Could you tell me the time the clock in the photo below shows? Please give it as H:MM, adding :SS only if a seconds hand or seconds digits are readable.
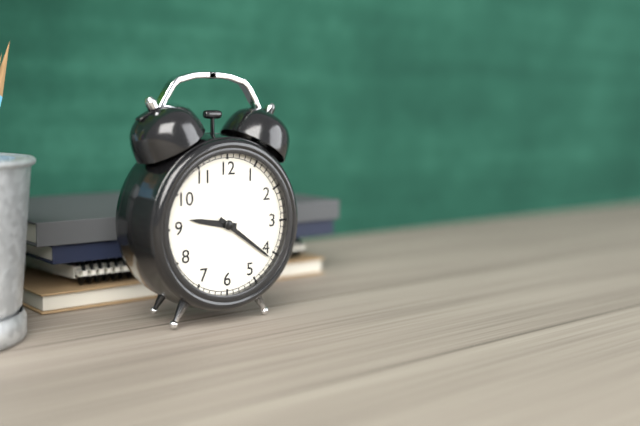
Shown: 9:21
